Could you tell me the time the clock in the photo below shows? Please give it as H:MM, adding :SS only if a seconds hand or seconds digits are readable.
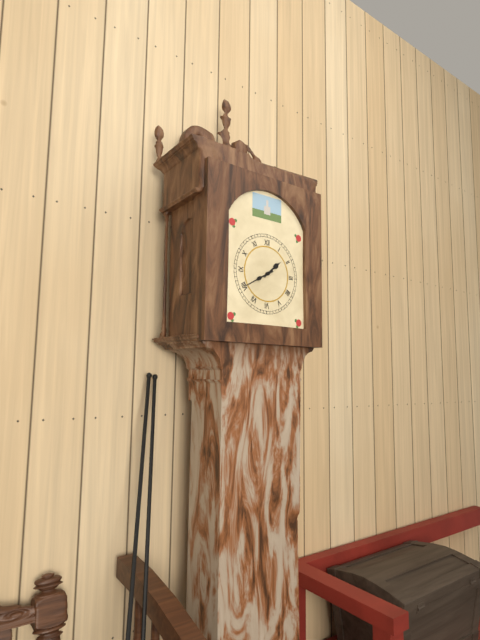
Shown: 1:40
